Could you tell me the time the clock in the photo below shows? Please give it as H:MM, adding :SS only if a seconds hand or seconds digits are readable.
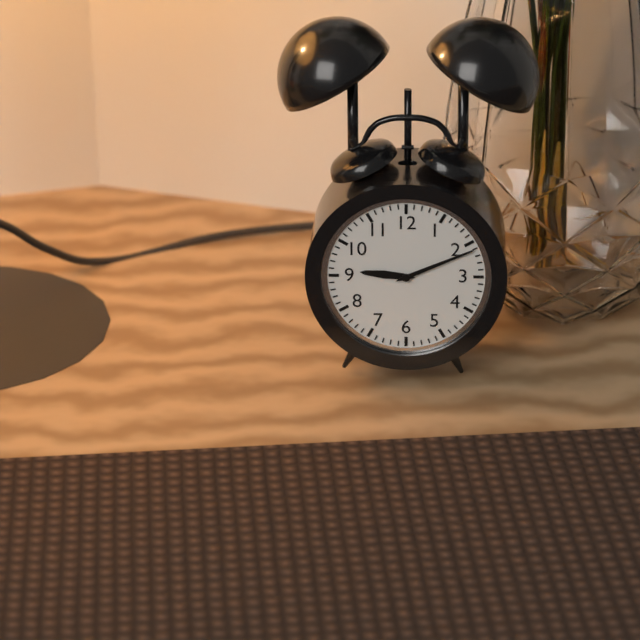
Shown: 9:11
